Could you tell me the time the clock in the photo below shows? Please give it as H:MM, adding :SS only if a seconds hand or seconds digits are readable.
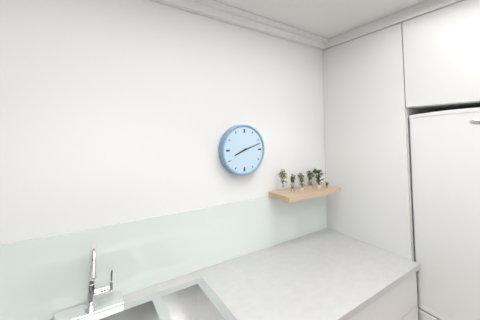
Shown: 8:12
